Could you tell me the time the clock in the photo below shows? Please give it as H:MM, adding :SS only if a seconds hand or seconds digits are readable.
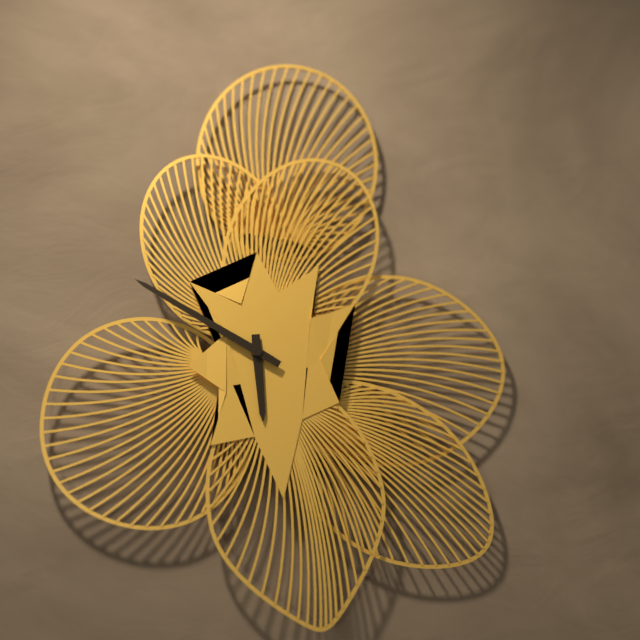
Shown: 5:50
